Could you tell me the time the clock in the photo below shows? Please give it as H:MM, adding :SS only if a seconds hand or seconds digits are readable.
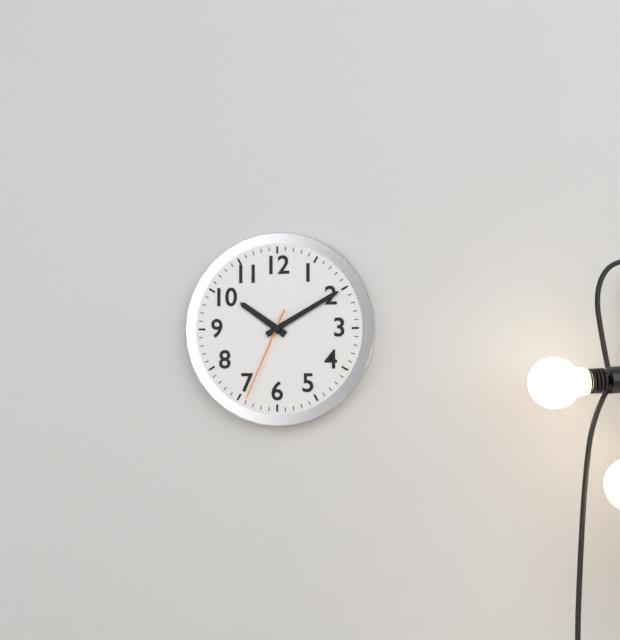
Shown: 10:10:34
